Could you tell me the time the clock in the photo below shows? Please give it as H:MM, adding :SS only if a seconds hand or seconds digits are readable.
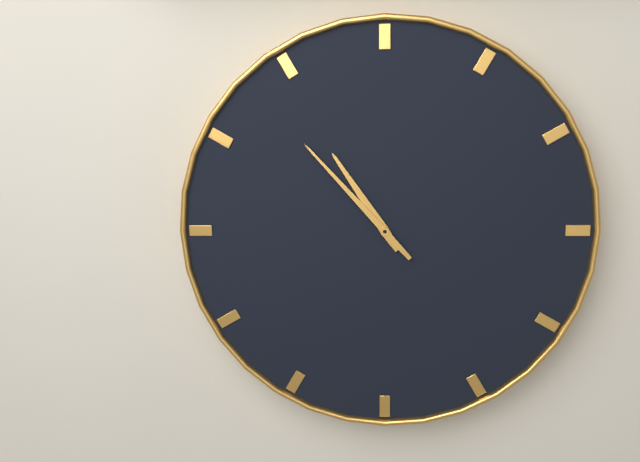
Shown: 10:53
